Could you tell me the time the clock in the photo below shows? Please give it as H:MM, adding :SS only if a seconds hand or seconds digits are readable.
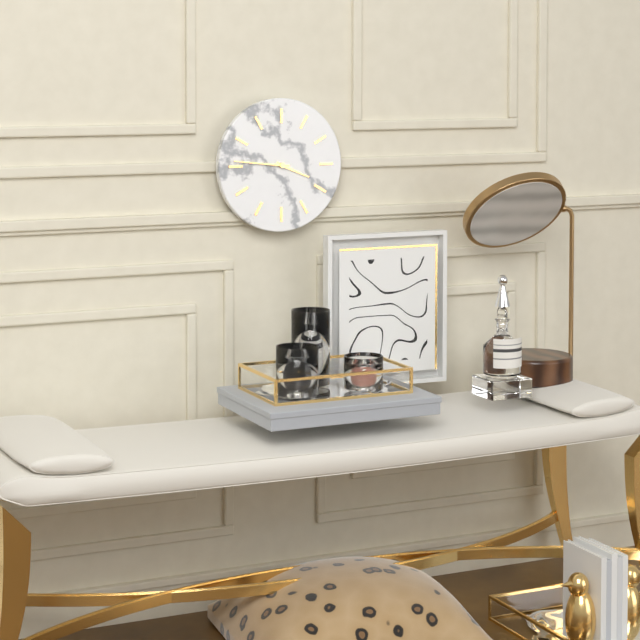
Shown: 3:46
